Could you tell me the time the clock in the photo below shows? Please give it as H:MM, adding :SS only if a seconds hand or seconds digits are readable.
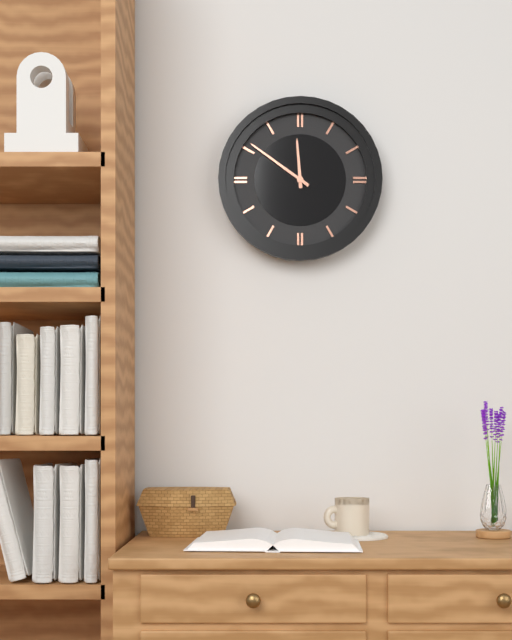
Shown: 11:51
